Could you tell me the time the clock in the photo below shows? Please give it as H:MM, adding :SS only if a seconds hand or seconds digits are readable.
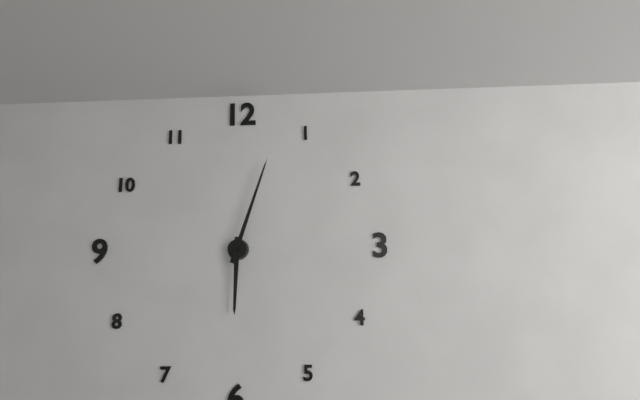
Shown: 6:03
